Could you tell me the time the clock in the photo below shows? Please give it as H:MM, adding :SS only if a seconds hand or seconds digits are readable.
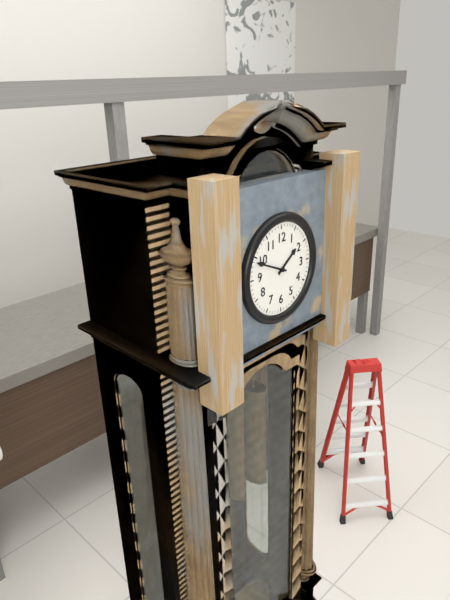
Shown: 1:49
